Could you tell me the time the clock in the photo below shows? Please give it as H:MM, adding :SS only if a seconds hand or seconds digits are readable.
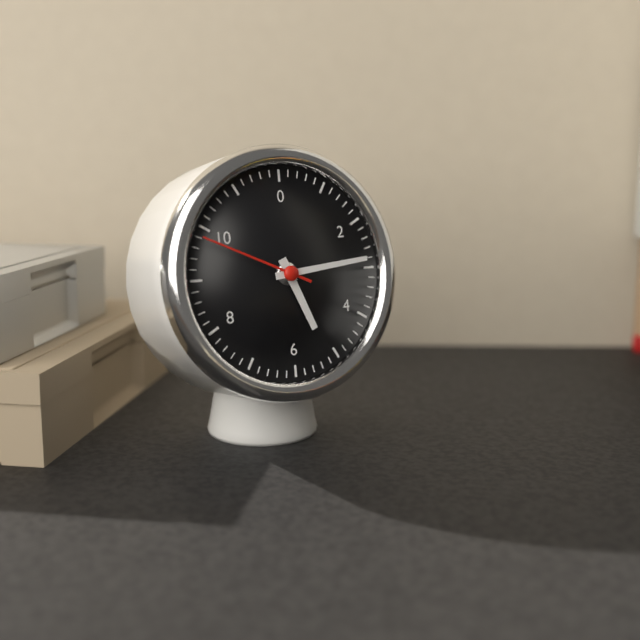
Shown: 5:14:49
